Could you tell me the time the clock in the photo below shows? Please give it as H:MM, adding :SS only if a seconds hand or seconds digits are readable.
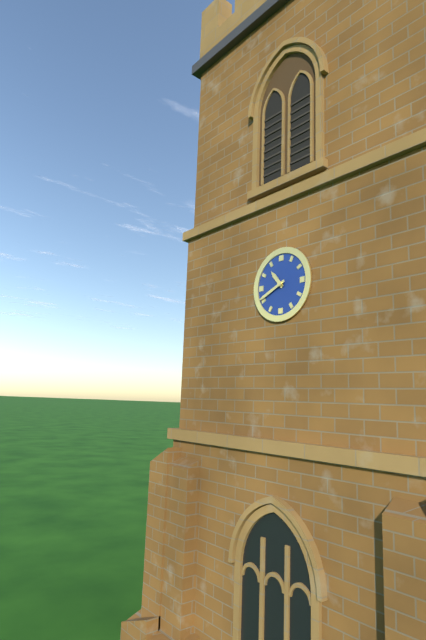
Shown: 10:41
